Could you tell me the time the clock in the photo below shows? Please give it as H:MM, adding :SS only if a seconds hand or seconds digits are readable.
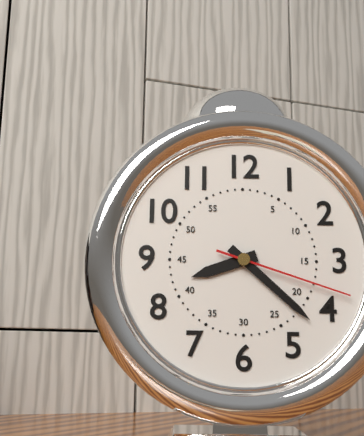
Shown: 8:22:18
